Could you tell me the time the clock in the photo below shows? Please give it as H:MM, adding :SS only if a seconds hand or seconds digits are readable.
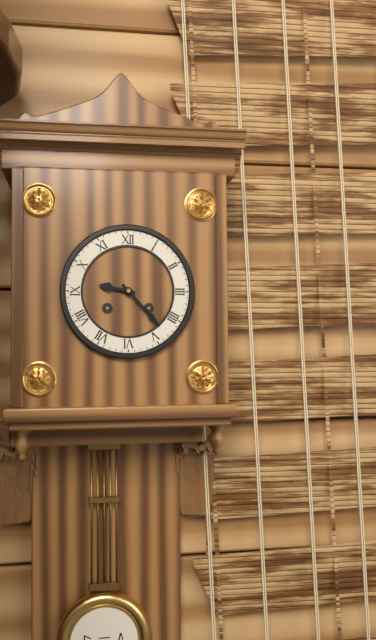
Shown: 9:23
